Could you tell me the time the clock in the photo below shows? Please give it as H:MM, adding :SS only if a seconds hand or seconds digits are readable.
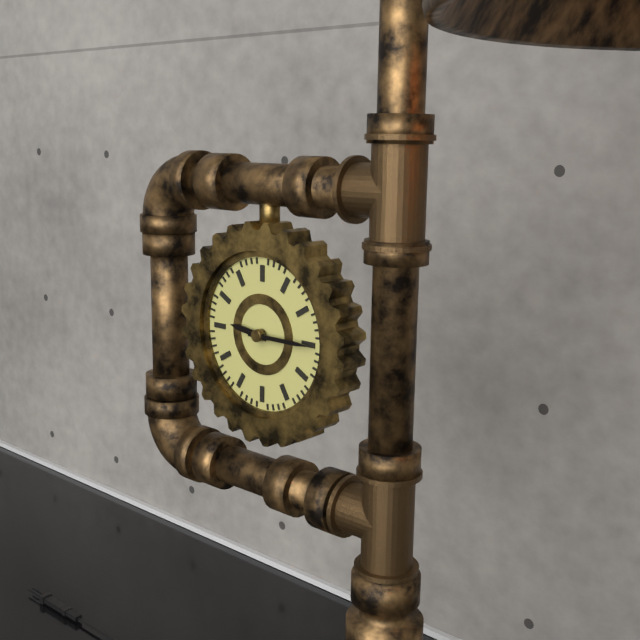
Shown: 9:15
